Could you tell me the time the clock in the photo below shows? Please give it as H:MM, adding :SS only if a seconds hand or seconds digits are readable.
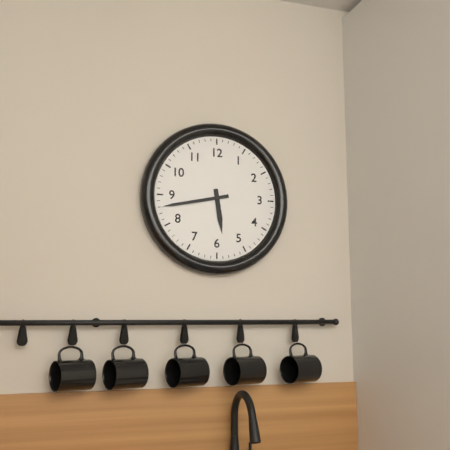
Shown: 5:43
